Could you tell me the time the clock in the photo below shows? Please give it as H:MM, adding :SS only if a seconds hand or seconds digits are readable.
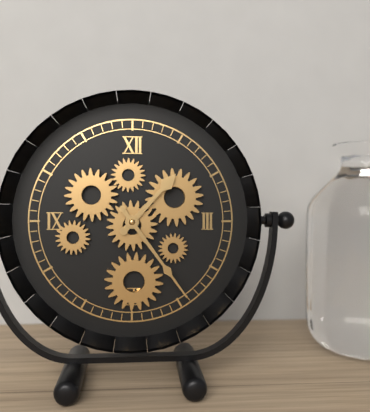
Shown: 1:24
